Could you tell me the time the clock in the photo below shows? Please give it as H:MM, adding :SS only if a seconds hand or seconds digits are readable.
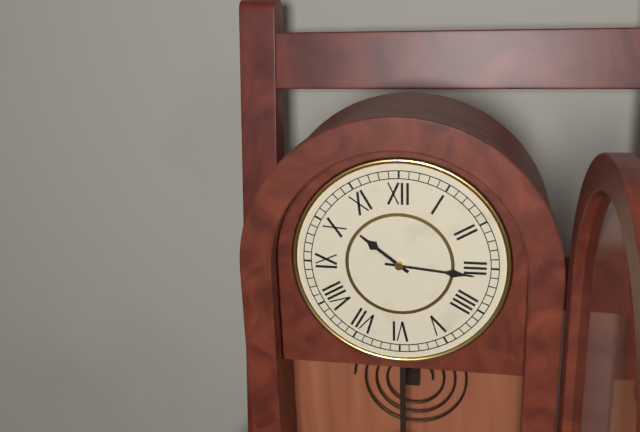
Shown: 10:16
